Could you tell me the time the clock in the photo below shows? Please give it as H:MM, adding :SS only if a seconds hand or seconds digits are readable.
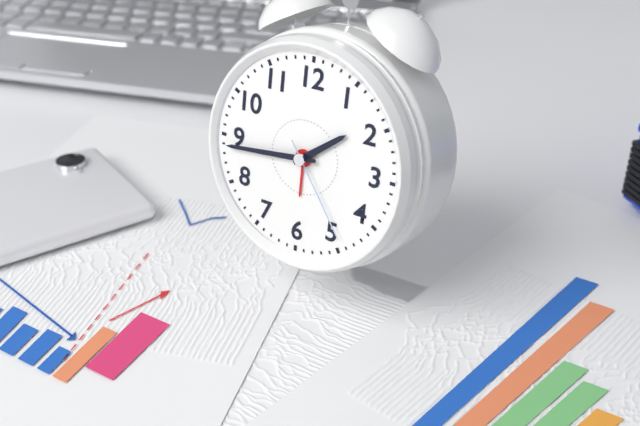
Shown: 1:44:24
